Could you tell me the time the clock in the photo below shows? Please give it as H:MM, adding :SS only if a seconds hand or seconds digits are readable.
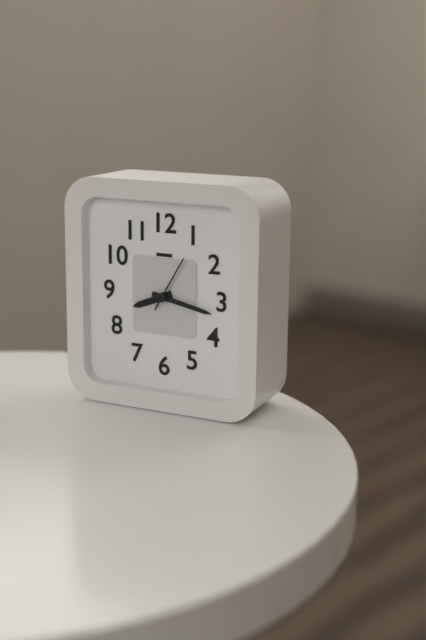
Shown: 8:17:05
